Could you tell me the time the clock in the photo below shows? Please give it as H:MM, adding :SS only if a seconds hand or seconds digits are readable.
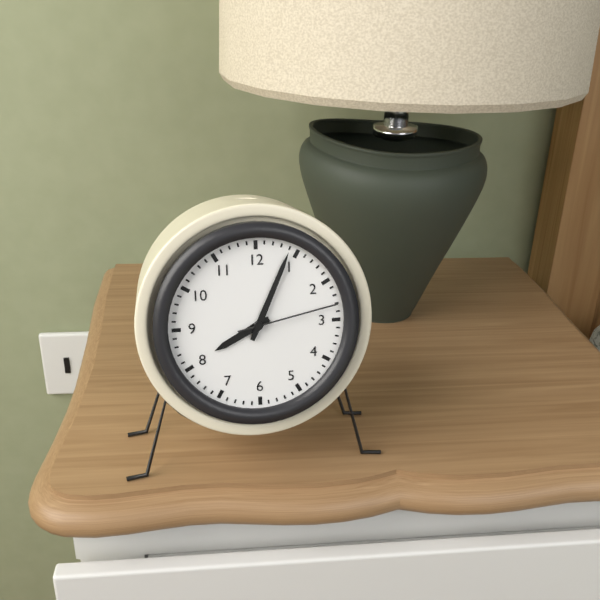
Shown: 8:04:13
